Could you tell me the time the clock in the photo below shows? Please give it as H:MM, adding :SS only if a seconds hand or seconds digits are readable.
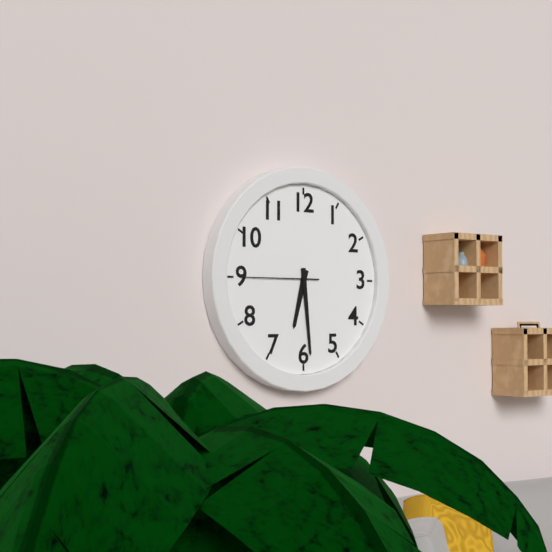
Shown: 6:29:45
